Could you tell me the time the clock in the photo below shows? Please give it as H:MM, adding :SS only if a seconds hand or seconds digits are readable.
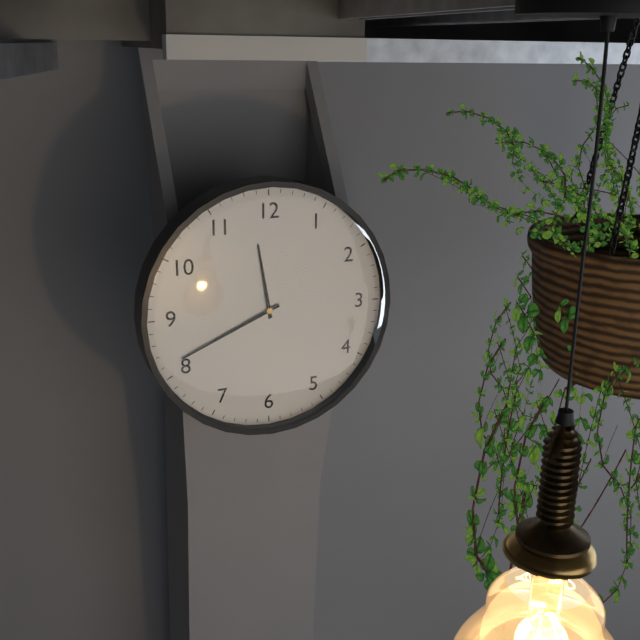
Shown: 11:41
